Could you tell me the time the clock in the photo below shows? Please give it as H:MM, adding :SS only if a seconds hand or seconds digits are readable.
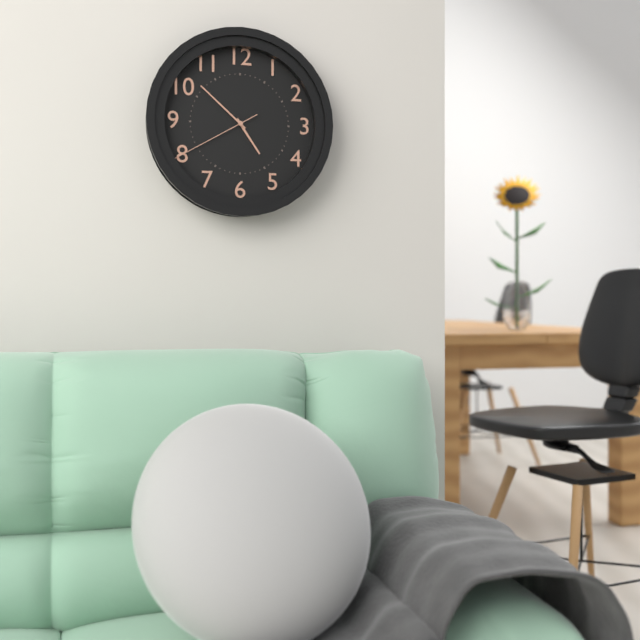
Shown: 4:52:40
